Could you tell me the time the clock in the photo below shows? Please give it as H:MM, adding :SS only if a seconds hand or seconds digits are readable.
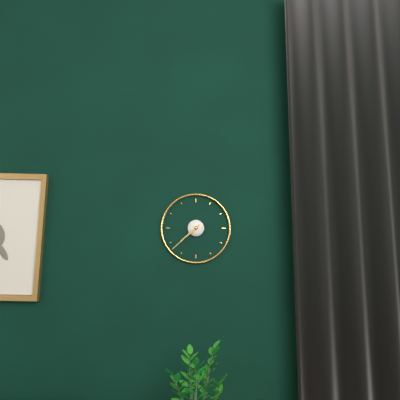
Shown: 7:38
